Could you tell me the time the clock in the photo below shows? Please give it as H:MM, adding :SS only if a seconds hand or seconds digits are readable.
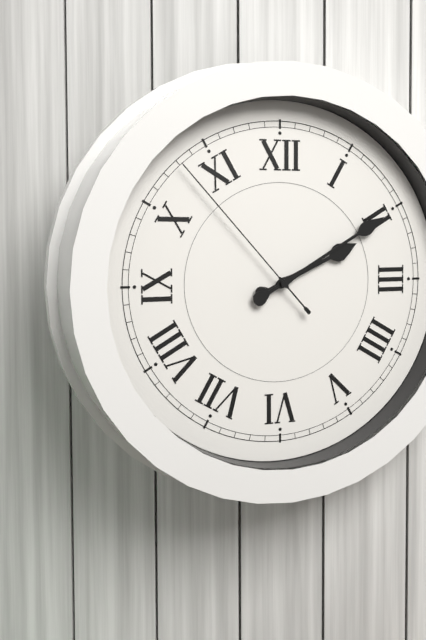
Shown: 2:10:53
